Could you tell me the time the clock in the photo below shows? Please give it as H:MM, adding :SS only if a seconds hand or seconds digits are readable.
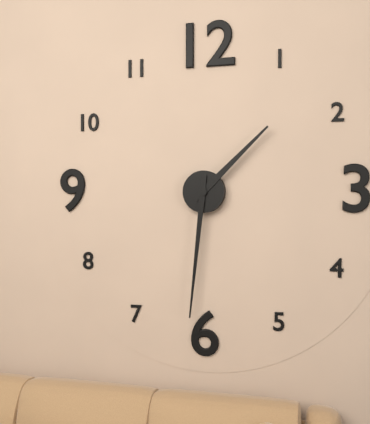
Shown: 1:31
